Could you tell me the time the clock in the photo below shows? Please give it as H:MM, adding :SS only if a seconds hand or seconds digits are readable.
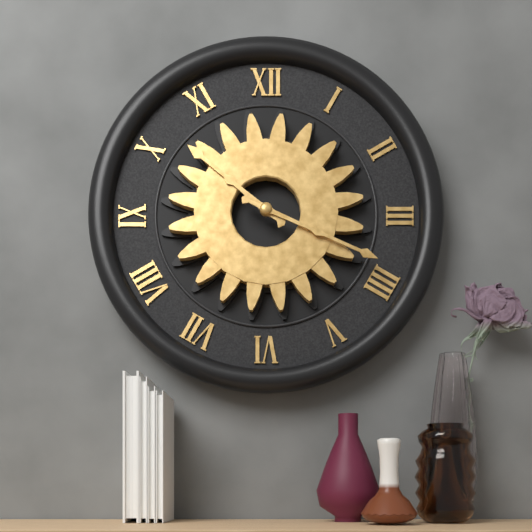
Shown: 10:19
